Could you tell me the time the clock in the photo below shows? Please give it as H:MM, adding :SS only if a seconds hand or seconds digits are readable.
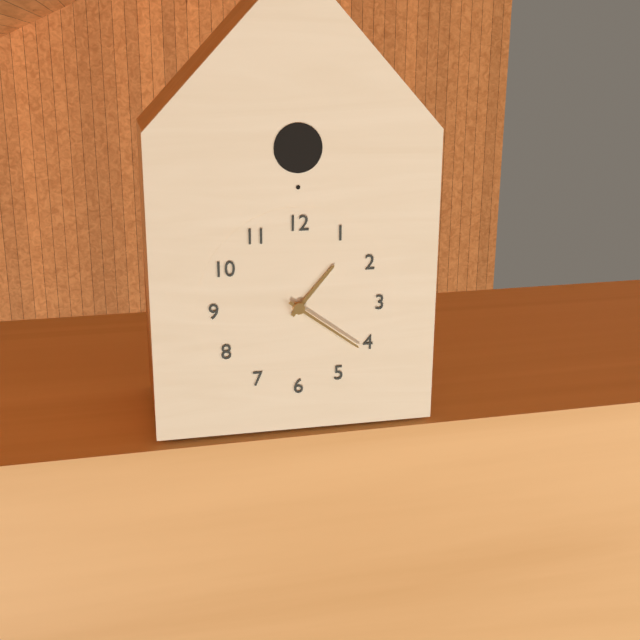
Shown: 1:21
